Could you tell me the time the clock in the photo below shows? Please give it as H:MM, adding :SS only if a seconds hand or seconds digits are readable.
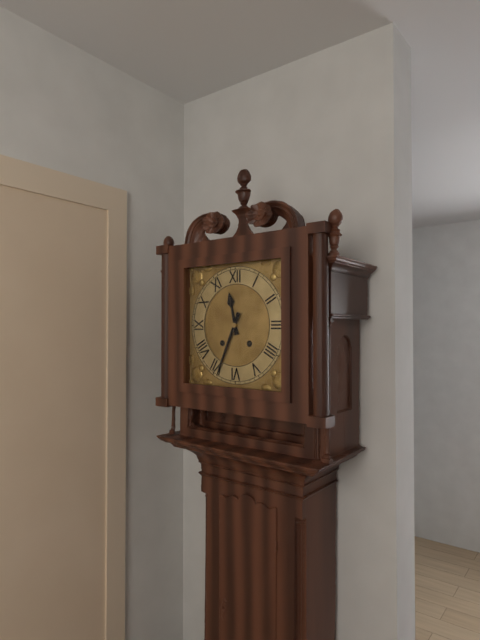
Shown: 11:34
